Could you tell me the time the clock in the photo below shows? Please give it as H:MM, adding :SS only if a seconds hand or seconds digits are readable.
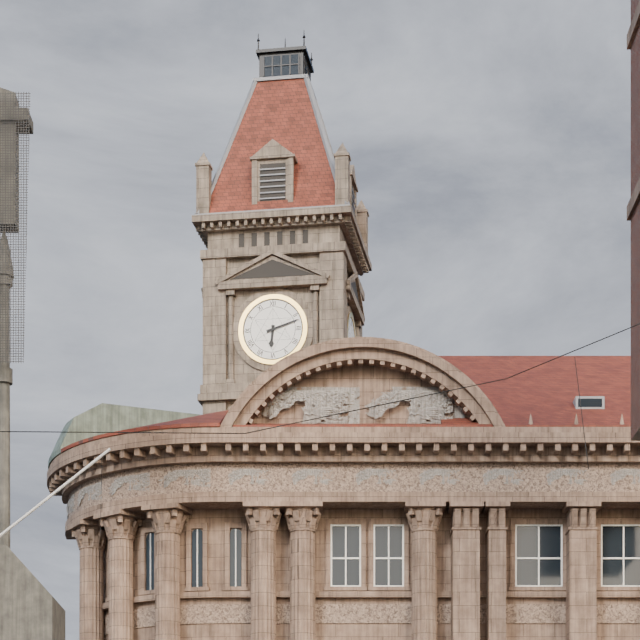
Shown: 6:12
